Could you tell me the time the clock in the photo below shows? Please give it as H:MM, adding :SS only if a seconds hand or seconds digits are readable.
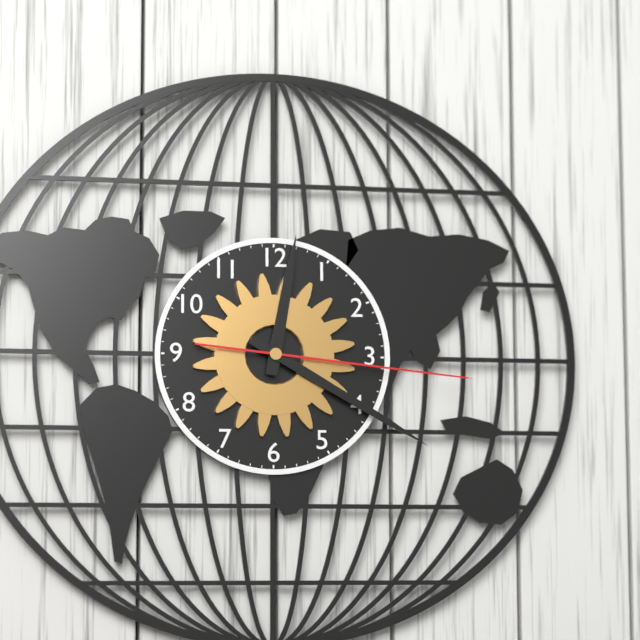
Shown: 12:20:16
